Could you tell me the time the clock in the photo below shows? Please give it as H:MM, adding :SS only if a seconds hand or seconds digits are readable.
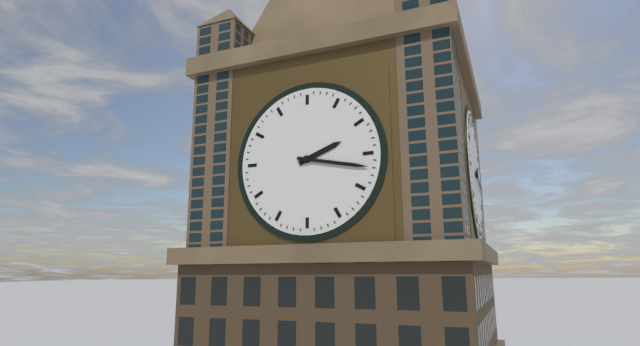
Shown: 2:17
